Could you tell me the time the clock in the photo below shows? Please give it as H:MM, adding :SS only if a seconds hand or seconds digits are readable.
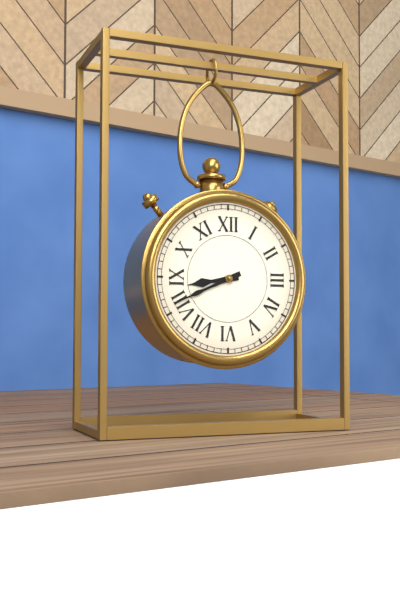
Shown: 8:41
